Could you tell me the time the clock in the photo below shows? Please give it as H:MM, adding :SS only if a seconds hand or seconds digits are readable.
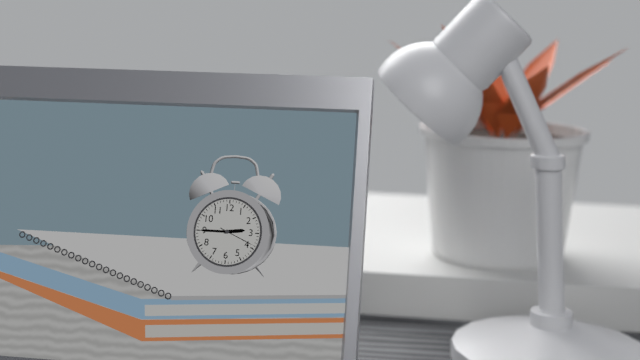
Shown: 2:45
